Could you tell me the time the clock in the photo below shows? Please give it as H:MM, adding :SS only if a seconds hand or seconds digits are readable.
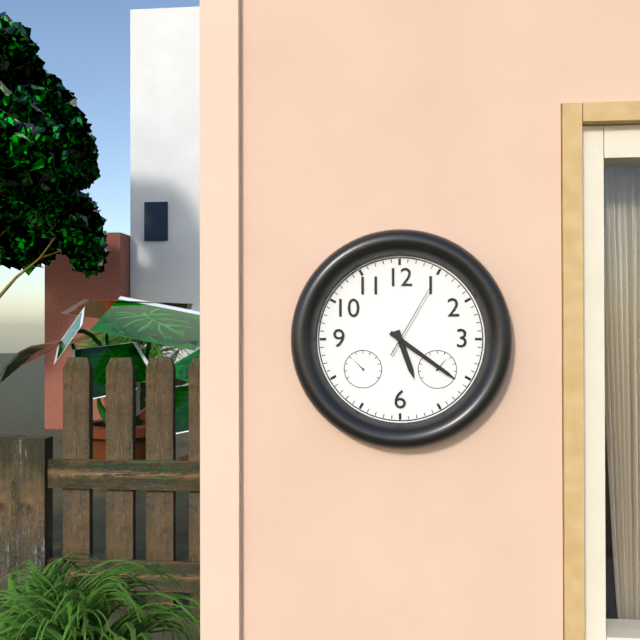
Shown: 5:21:05
